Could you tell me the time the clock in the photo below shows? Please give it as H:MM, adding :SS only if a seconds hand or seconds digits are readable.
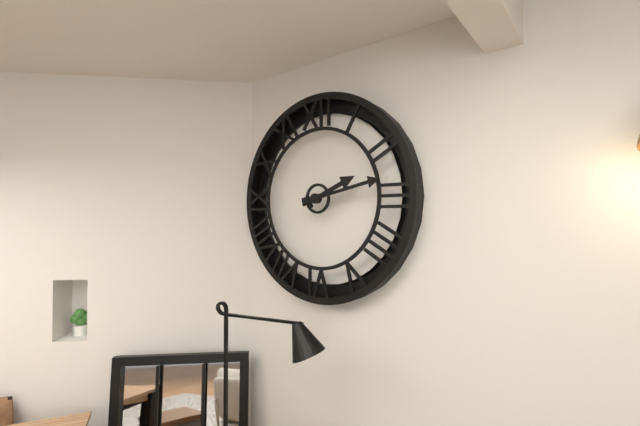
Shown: 2:13
